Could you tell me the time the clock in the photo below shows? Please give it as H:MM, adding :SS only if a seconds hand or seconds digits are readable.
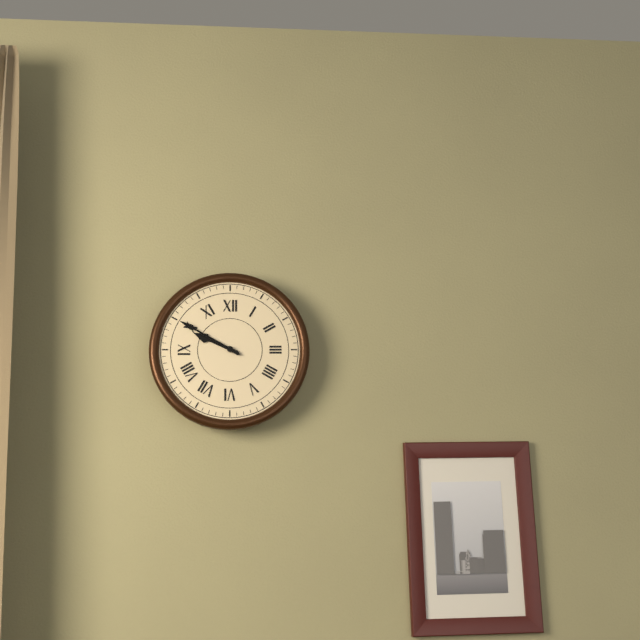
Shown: 9:50
